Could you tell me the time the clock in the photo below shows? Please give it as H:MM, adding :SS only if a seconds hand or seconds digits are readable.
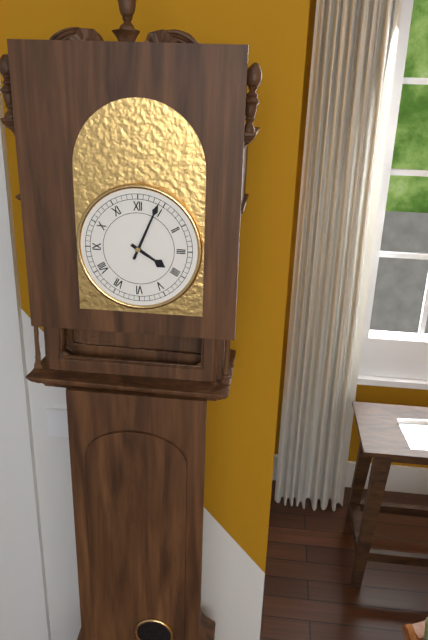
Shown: 4:04
